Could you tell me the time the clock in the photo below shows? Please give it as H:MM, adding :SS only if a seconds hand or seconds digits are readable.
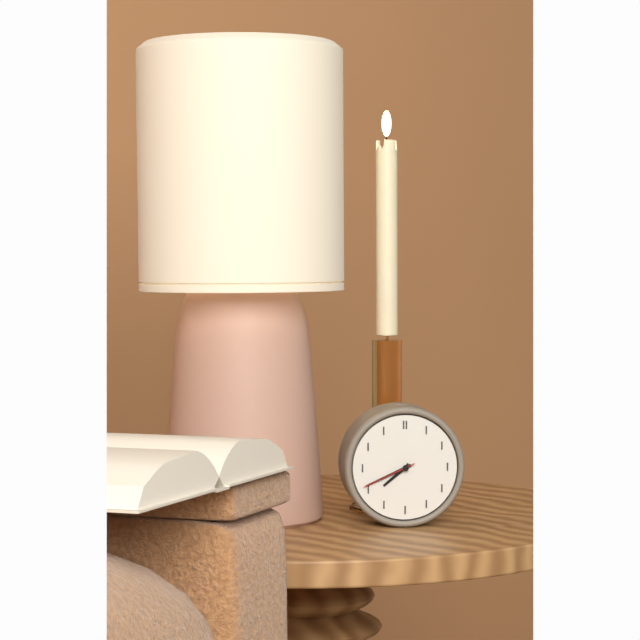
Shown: 7:41:41
